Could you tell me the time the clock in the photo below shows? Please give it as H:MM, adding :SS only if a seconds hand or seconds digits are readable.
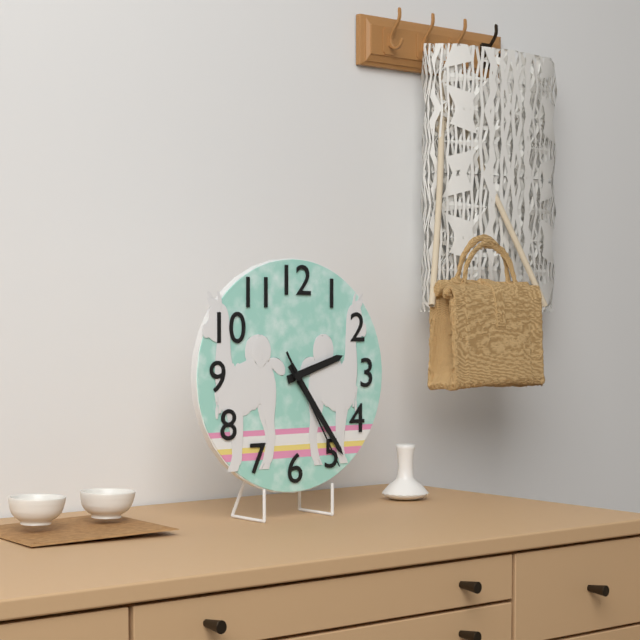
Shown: 2:24:25
